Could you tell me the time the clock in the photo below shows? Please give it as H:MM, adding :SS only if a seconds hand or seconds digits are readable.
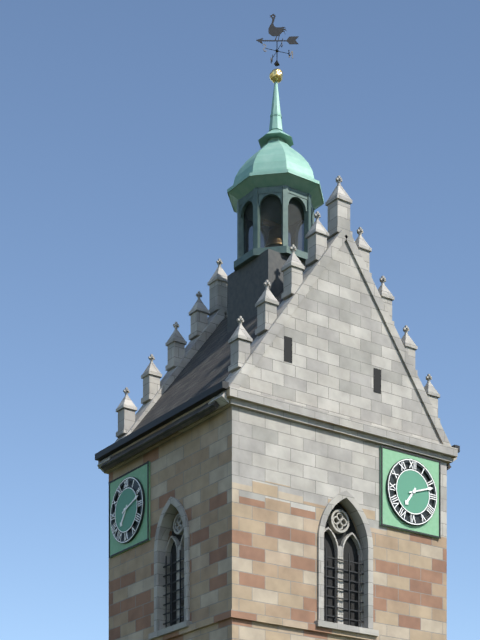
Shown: 7:12
